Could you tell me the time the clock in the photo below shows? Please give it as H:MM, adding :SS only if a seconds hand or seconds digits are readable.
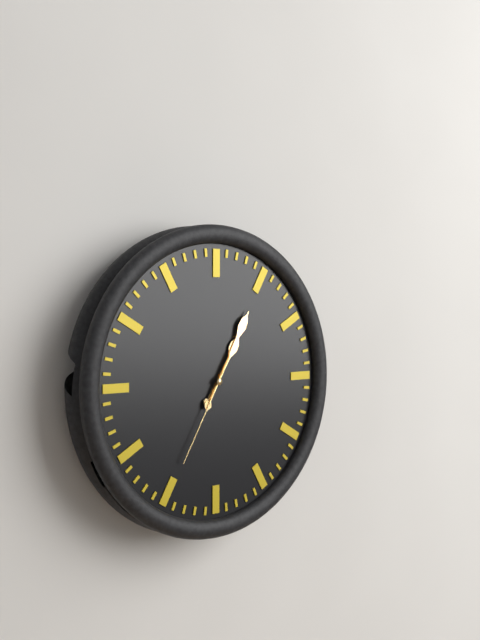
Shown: 1:05:35
